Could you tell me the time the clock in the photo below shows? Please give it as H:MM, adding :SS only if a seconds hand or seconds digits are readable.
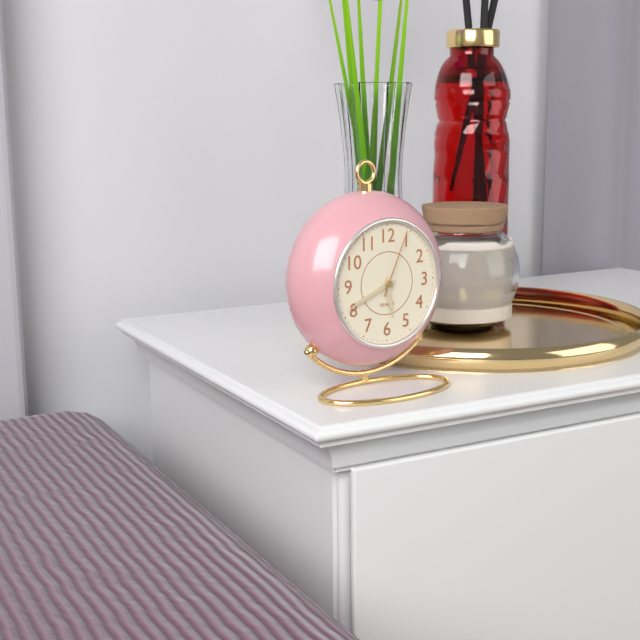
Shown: 5:41:04
